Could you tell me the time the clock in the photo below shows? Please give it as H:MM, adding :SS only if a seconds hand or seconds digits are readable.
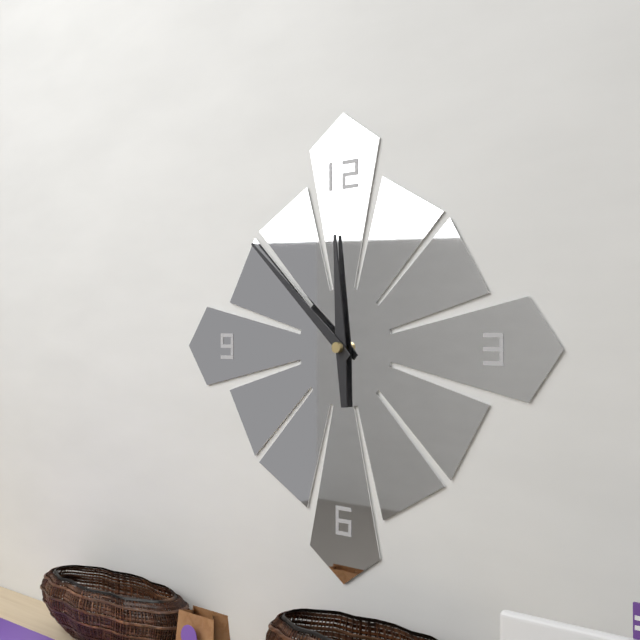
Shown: 11:52
